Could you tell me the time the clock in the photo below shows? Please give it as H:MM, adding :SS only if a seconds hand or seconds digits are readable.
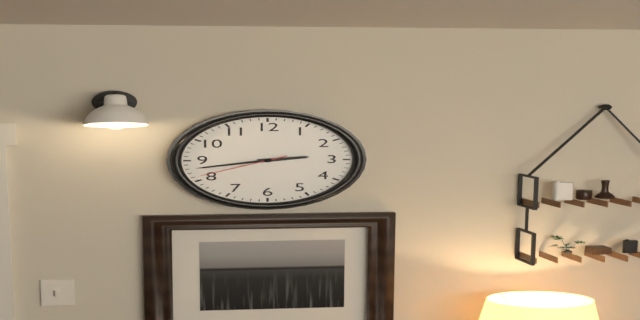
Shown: 2:43:41
